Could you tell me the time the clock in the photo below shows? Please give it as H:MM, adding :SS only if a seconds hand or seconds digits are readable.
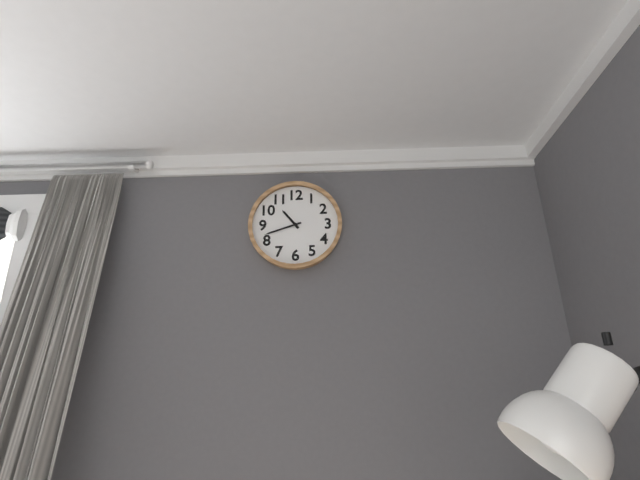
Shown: 10:42
